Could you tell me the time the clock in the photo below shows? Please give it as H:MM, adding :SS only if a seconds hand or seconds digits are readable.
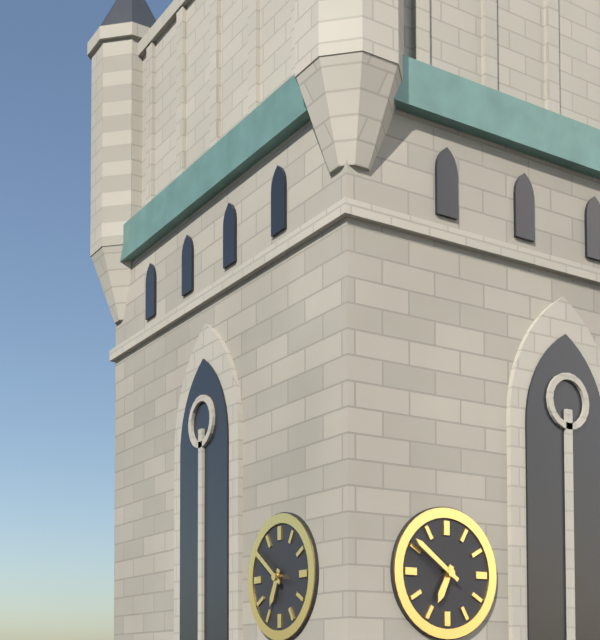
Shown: 6:51
